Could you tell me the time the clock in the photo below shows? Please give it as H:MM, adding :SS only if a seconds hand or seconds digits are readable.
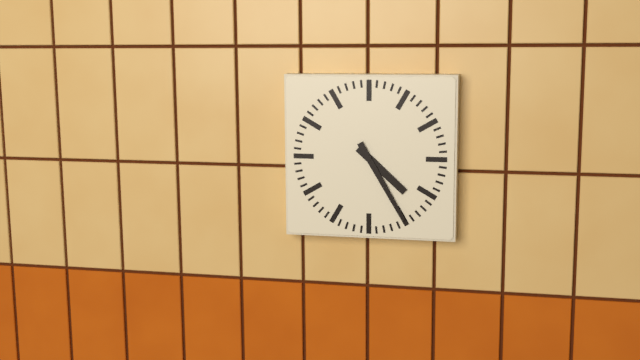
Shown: 4:25
